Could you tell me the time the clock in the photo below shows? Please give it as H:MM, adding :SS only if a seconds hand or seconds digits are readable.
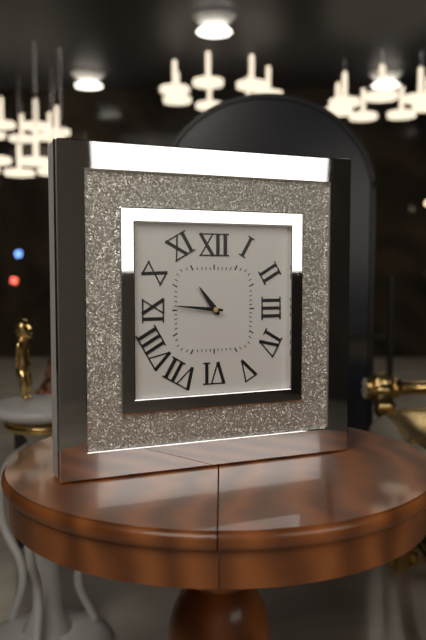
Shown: 10:46
